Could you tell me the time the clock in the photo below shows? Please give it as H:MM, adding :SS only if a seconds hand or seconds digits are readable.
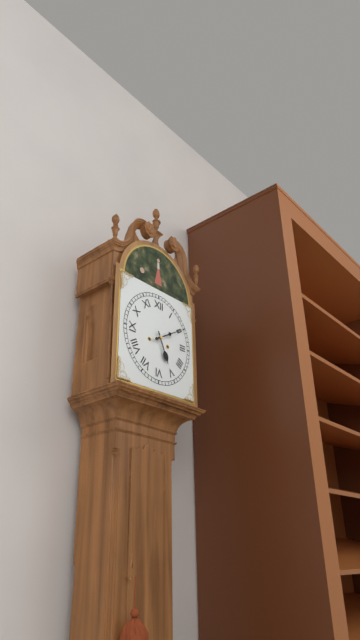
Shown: 5:10
